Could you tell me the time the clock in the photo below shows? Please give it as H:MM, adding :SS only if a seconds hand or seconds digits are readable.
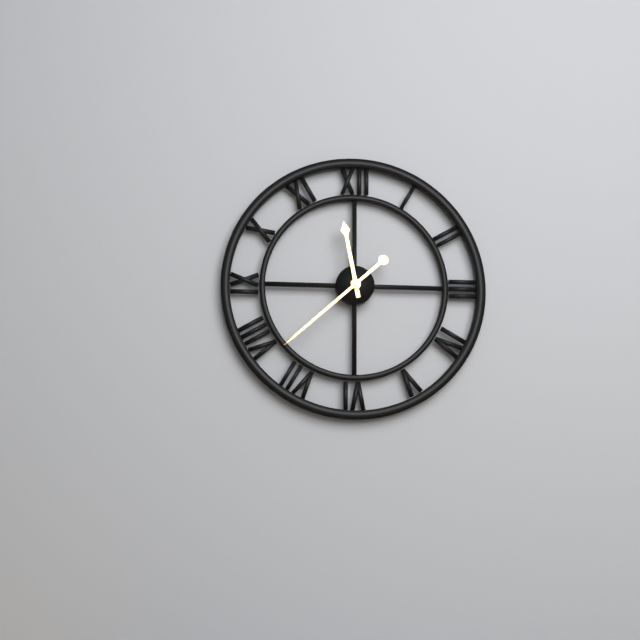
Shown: 11:38
